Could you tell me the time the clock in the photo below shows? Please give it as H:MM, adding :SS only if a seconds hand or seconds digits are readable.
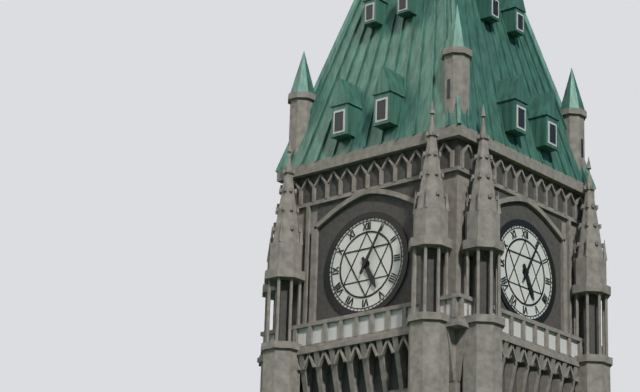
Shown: 5:05
